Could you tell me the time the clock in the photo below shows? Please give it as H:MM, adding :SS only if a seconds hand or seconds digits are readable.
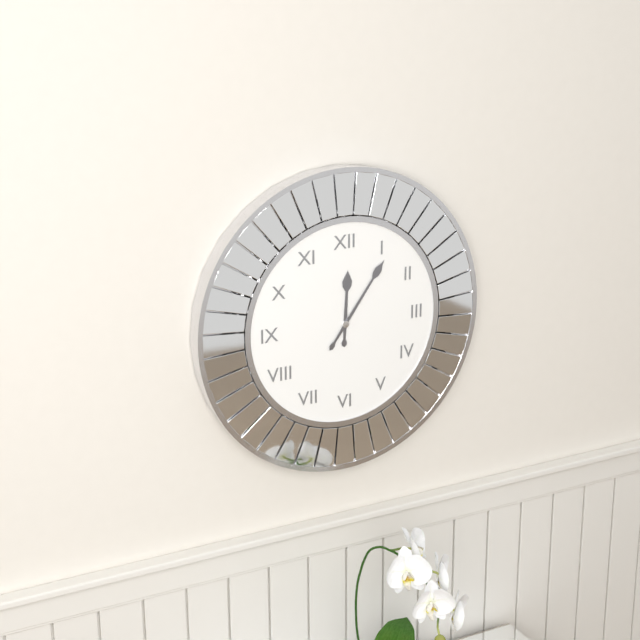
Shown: 12:06
